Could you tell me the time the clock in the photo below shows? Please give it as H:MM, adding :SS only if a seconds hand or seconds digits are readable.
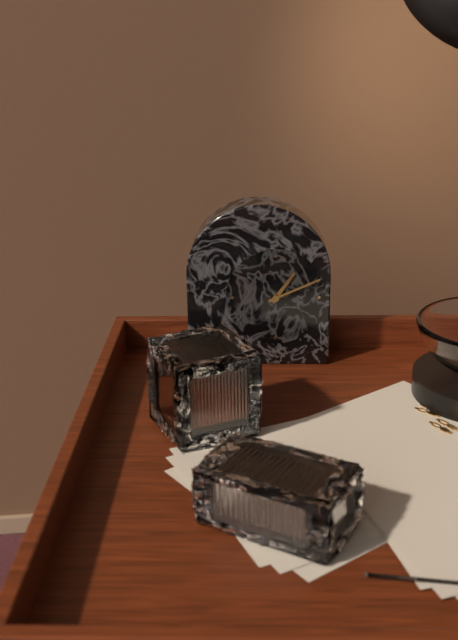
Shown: 1:11
